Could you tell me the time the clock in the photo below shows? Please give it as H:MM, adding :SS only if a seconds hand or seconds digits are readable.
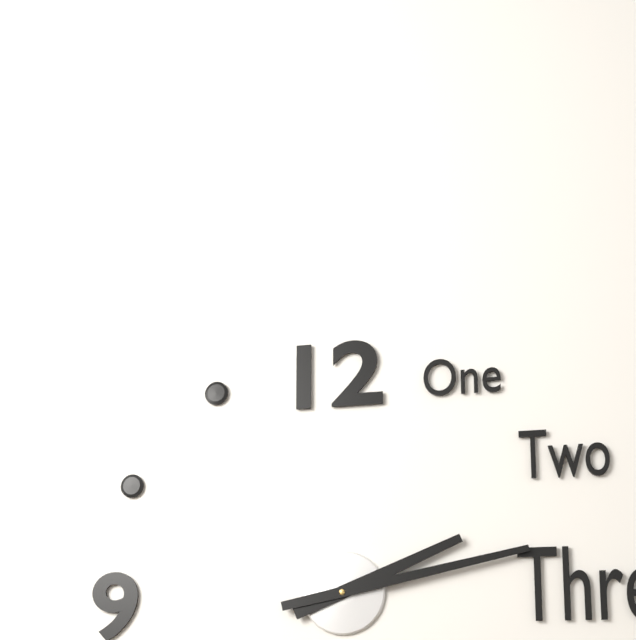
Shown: 2:13
